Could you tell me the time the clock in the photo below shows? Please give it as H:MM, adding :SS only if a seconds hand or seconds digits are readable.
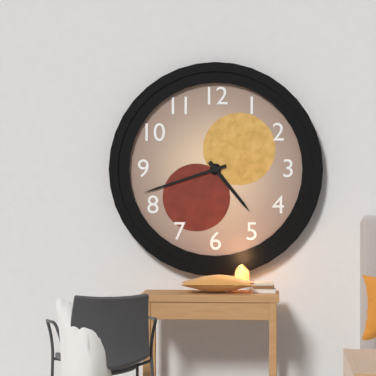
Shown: 4:42
